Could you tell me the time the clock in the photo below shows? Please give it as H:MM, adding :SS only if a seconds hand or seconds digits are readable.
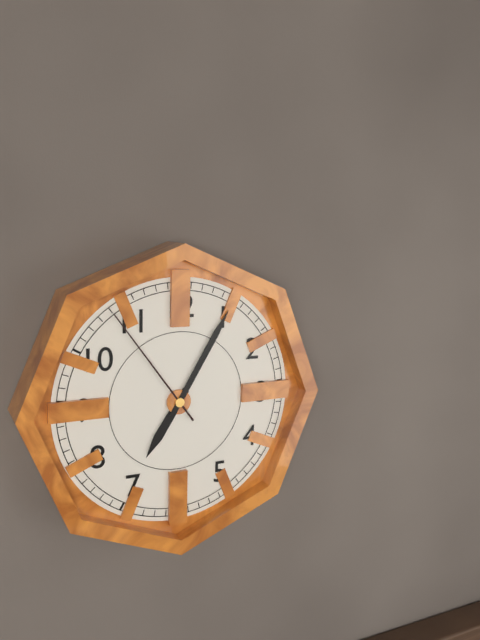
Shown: 7:05:54
